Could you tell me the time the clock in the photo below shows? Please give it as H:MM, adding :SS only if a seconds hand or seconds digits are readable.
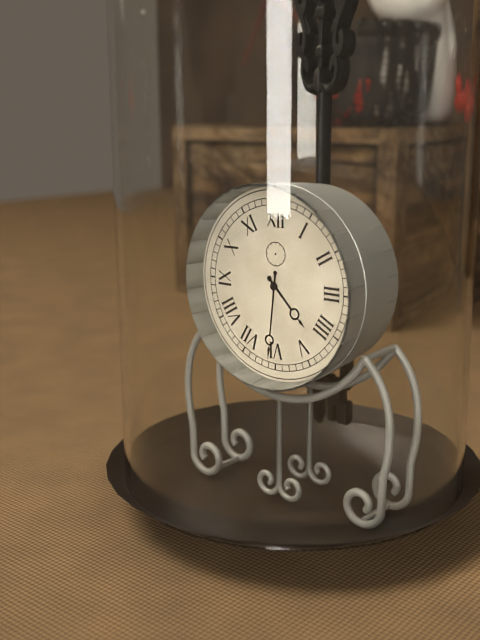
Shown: 4:31
